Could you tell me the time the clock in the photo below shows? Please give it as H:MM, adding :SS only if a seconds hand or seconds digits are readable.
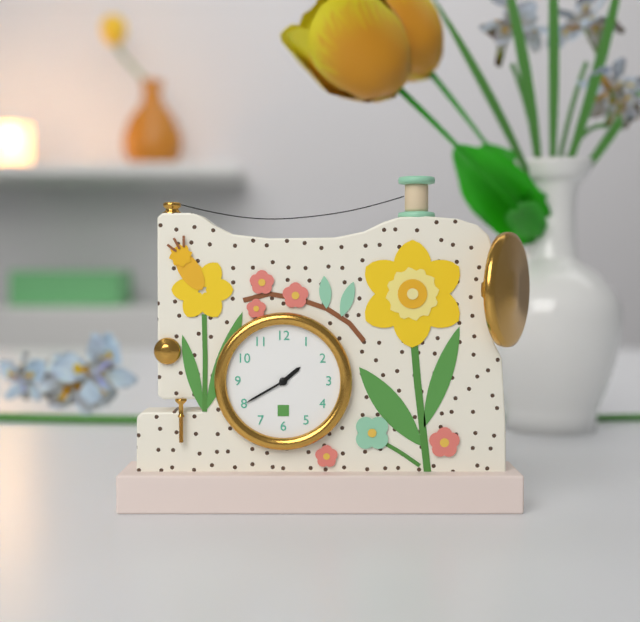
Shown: 1:40
